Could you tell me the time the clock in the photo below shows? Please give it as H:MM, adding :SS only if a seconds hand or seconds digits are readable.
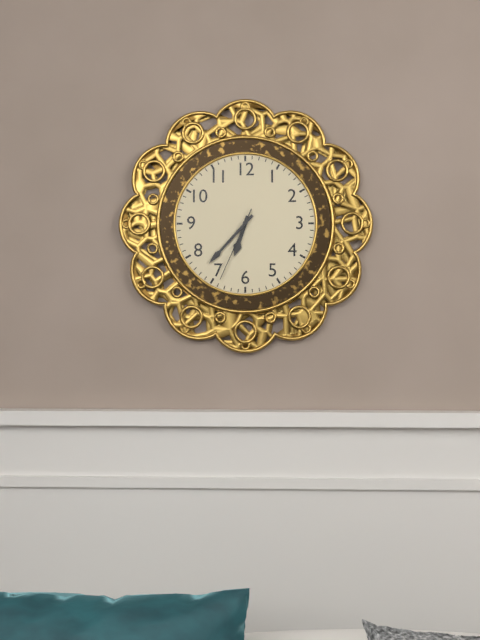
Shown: 6:37:34
